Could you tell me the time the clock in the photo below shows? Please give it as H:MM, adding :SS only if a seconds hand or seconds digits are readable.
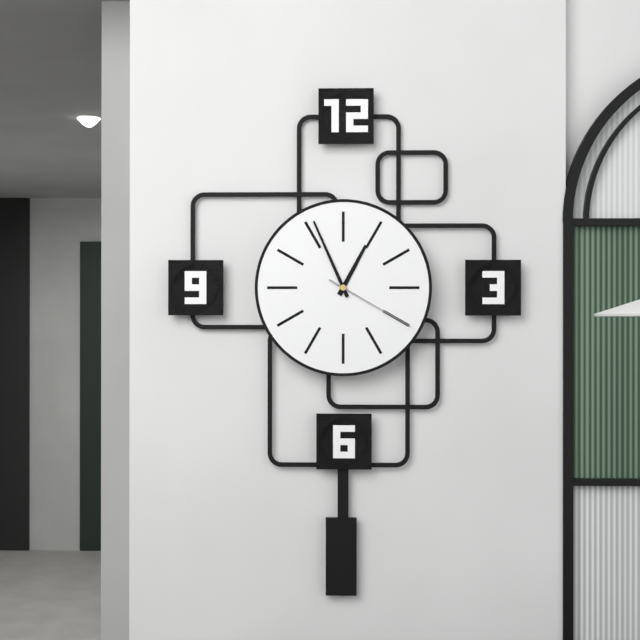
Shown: 12:56:20
